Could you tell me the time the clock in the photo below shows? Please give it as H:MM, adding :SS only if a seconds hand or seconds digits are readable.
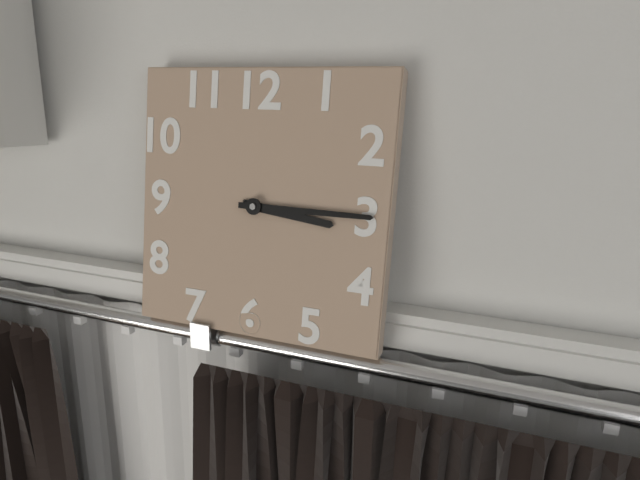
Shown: 3:15
